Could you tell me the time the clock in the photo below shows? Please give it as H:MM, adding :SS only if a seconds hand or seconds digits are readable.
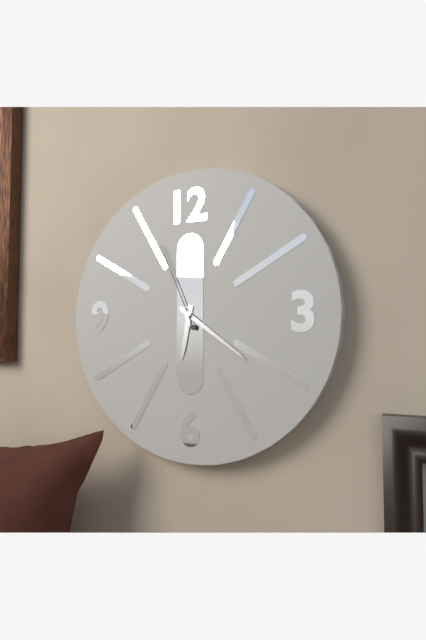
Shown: 6:21:56
